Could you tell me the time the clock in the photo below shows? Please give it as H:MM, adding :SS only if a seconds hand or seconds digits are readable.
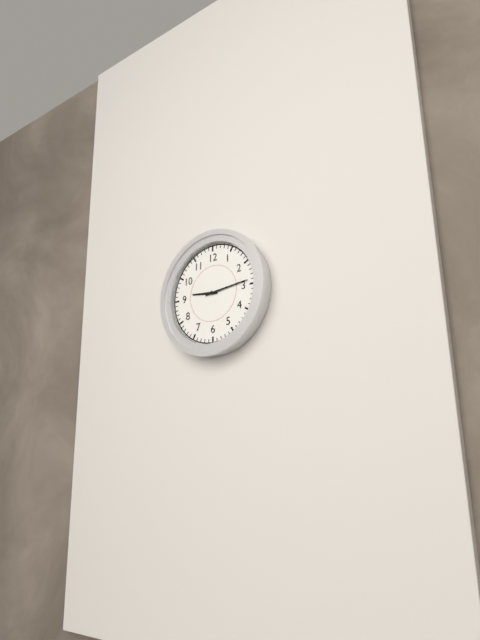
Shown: 9:14
